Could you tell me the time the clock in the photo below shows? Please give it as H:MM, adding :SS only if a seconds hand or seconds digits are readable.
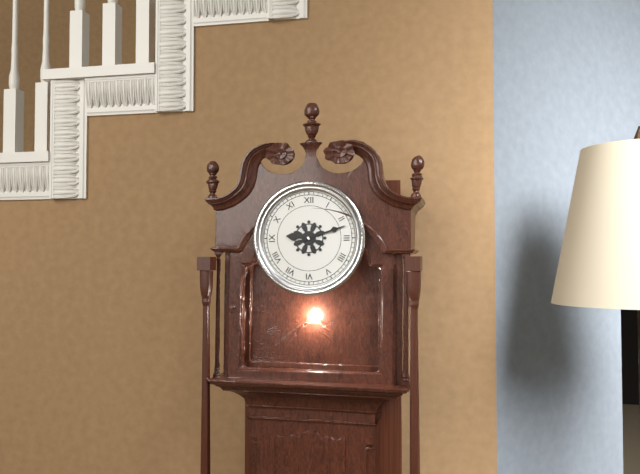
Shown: 9:12
